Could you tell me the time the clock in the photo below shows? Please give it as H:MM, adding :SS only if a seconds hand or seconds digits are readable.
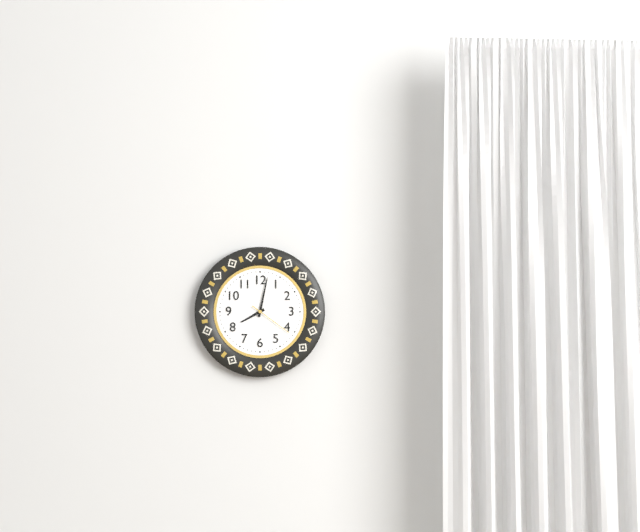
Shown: 8:02
